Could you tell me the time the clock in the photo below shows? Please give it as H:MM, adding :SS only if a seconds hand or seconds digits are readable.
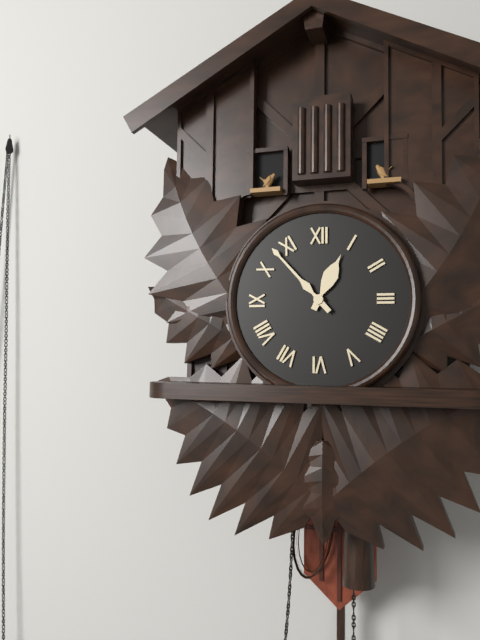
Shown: 12:53
